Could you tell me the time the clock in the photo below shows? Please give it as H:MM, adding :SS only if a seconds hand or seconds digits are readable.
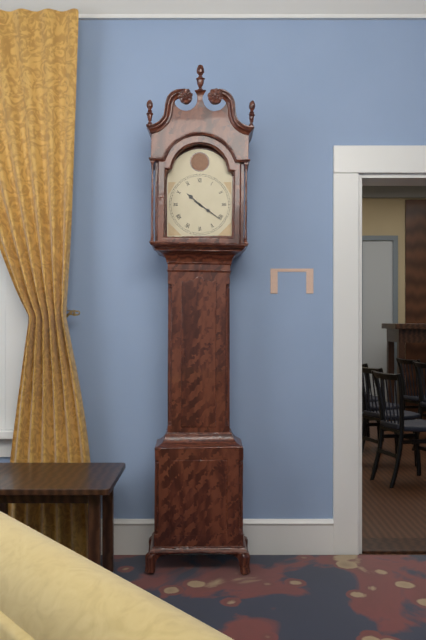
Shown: 10:21
